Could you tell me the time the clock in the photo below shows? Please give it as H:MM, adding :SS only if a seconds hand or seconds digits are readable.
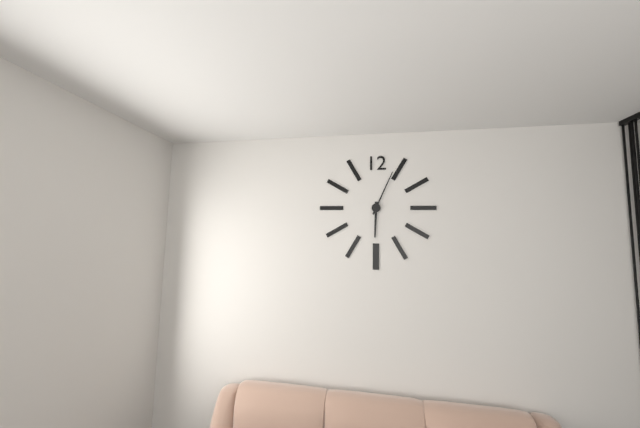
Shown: 6:04
